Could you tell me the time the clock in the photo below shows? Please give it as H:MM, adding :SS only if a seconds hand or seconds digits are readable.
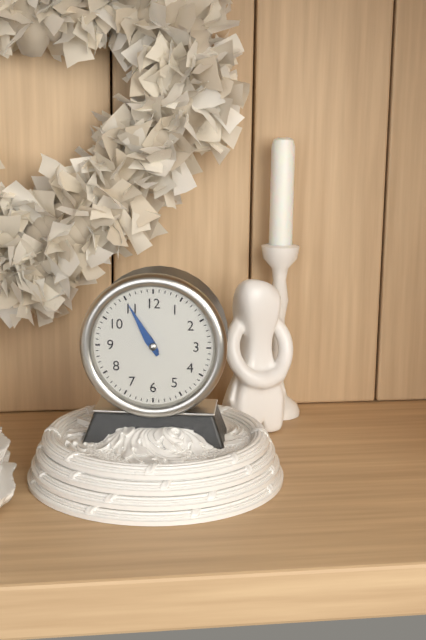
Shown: 10:55
